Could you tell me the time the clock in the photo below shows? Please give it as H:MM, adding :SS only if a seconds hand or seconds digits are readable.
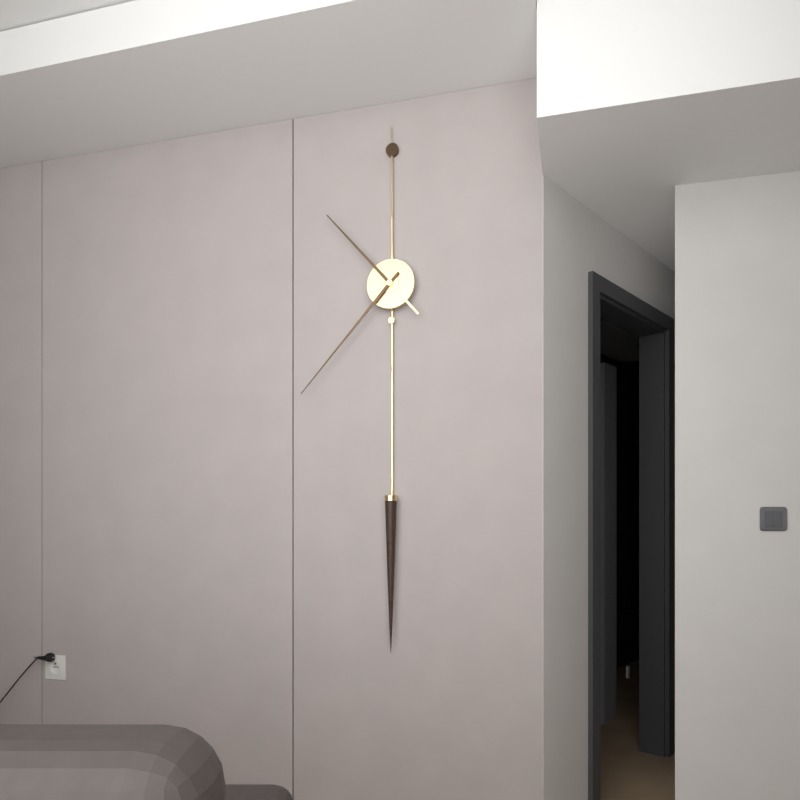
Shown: 10:37
